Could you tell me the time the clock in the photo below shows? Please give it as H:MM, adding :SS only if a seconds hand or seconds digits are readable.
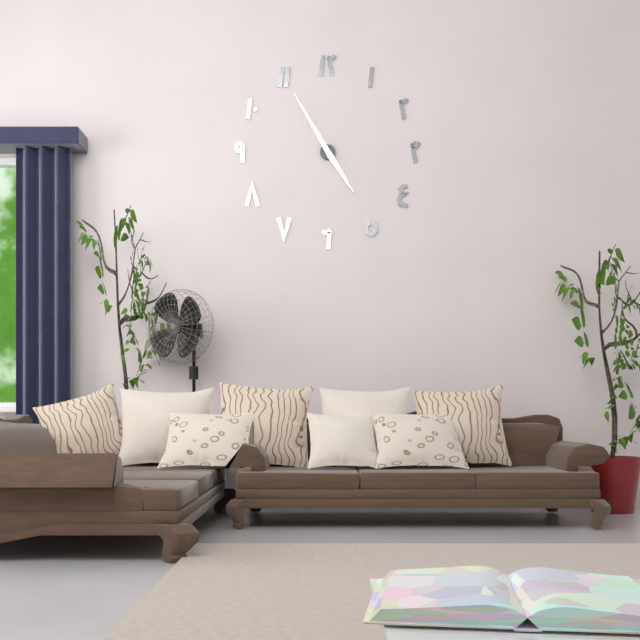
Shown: 4:55
